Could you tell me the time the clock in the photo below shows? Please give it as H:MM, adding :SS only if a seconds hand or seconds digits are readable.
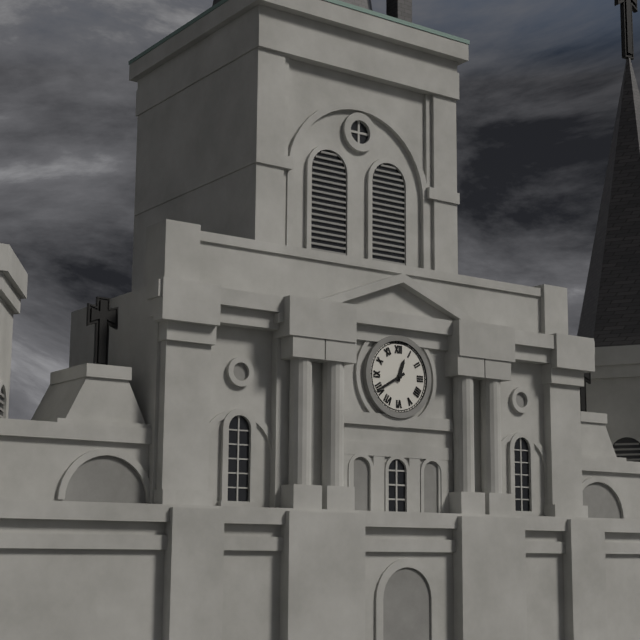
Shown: 12:40
